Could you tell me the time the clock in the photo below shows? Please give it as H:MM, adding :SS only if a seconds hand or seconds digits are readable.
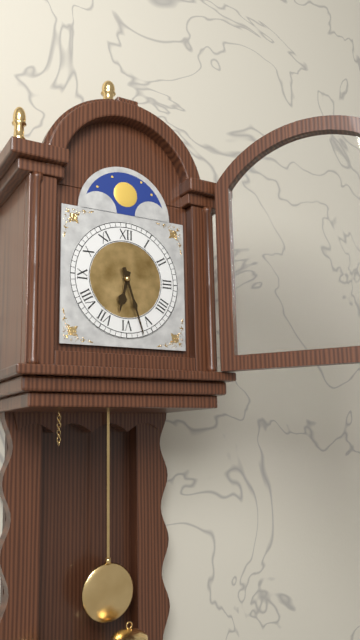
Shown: 6:27
